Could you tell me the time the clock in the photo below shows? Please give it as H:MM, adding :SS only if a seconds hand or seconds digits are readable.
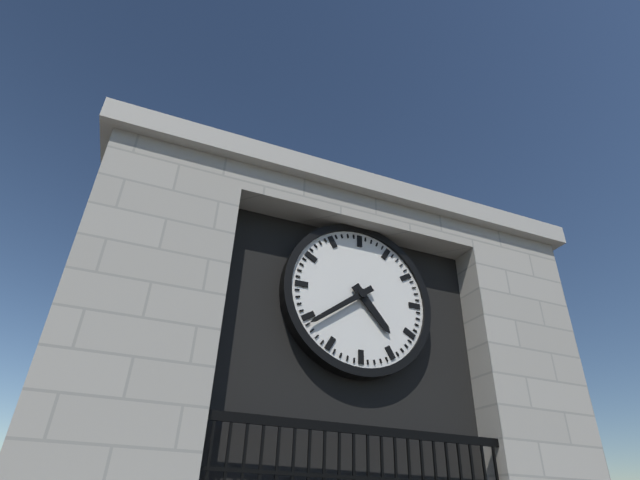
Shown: 4:39
